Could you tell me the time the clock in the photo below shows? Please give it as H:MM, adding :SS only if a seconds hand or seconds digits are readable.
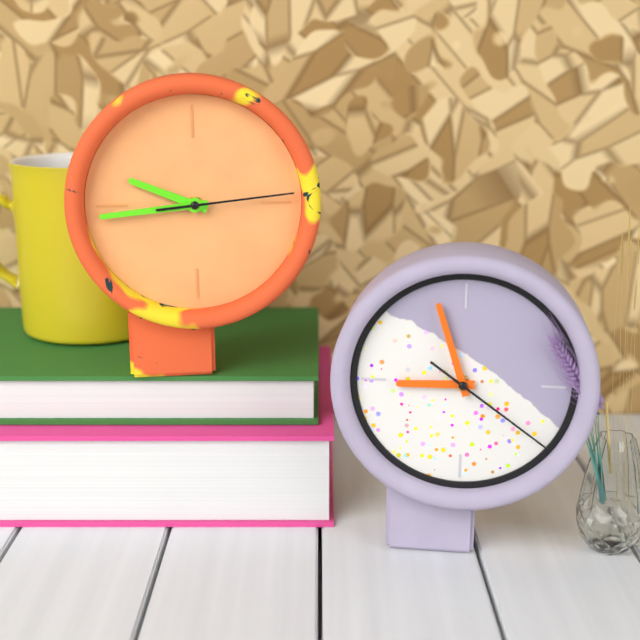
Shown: 9:44:14
